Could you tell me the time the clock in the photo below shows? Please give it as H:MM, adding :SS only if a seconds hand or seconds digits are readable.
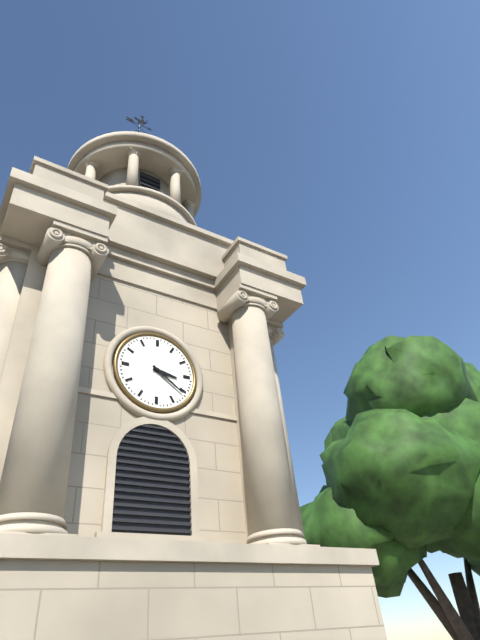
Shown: 3:21
